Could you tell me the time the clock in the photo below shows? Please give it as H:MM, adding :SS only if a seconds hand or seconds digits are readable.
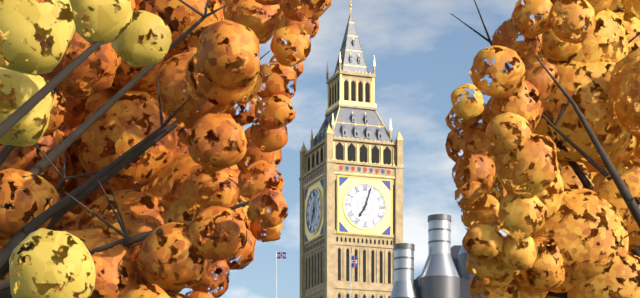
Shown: 7:03
